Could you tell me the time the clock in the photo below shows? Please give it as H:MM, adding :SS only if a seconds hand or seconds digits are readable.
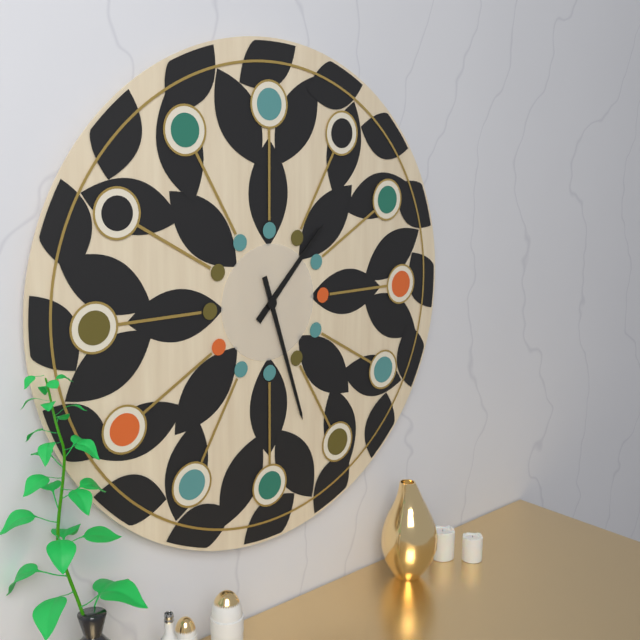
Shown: 1:27
